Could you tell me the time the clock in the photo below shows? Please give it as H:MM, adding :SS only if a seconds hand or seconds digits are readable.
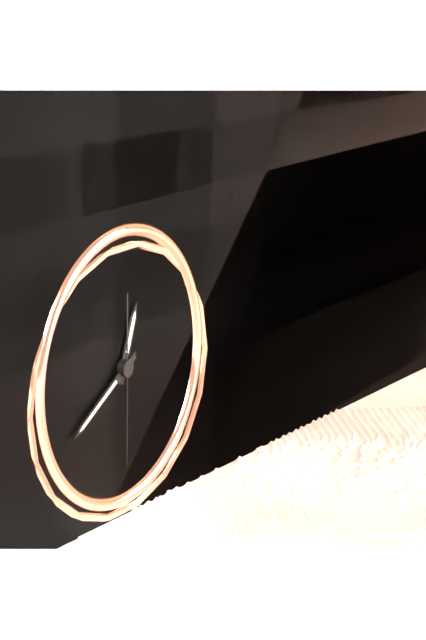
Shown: 12:40:30
